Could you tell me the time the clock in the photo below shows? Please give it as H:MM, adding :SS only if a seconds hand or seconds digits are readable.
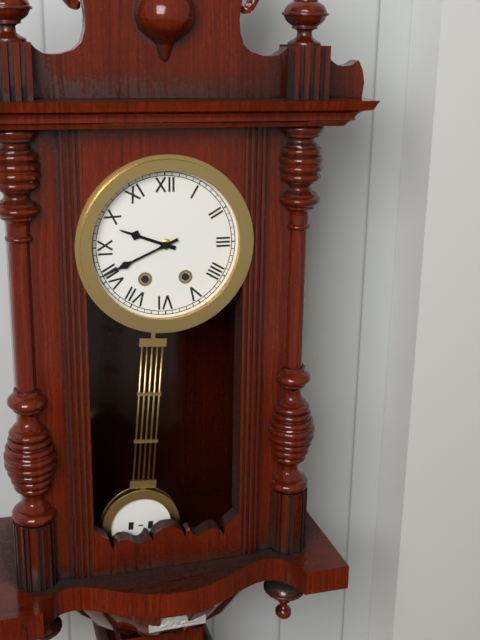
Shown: 9:41
